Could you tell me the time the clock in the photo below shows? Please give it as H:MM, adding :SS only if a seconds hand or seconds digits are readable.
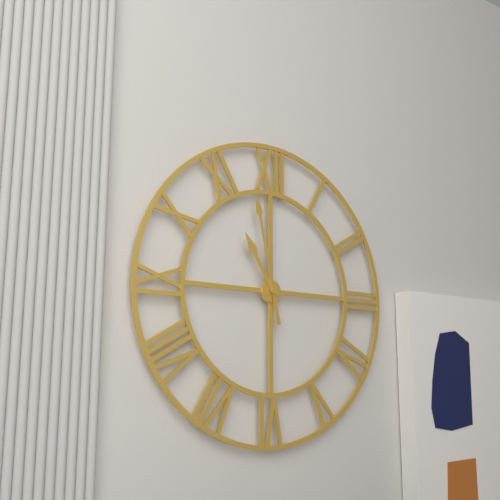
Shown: 10:58
